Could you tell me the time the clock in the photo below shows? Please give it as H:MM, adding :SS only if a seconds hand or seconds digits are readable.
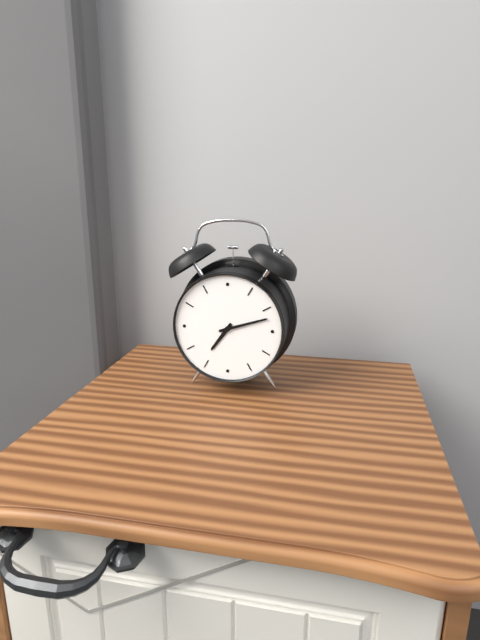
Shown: 7:12
